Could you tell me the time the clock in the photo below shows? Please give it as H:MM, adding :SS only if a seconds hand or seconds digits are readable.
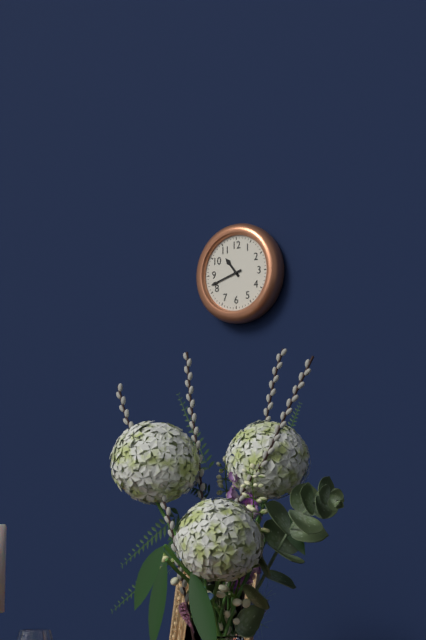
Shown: 10:42
